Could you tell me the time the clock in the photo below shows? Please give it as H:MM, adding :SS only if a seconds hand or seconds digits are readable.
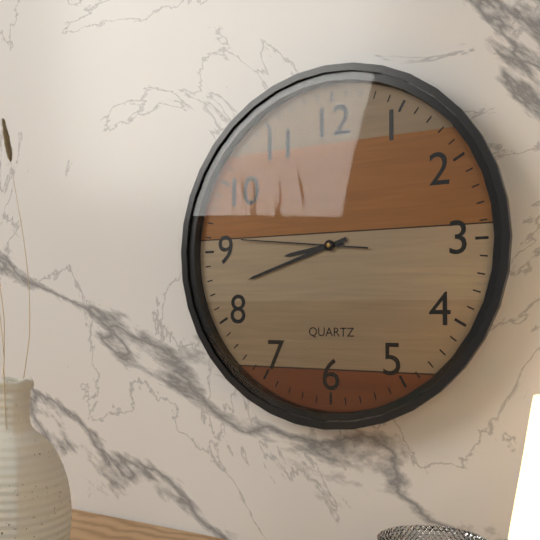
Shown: 8:42:46
